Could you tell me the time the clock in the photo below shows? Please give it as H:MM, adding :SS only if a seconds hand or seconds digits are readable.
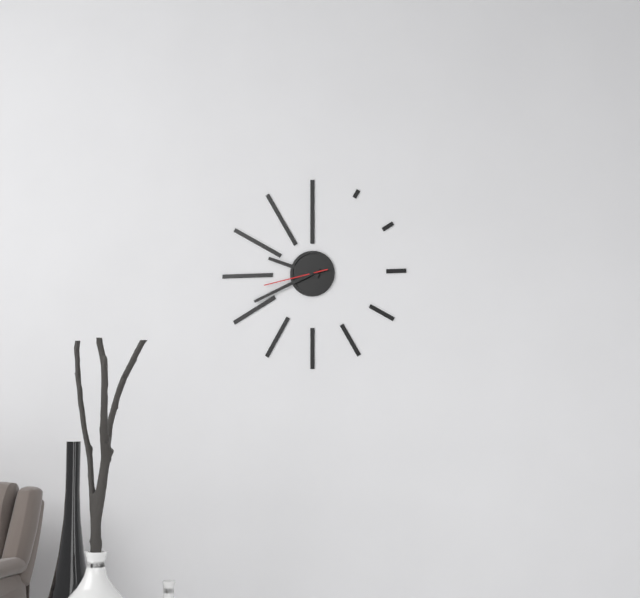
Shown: 9:41:43
